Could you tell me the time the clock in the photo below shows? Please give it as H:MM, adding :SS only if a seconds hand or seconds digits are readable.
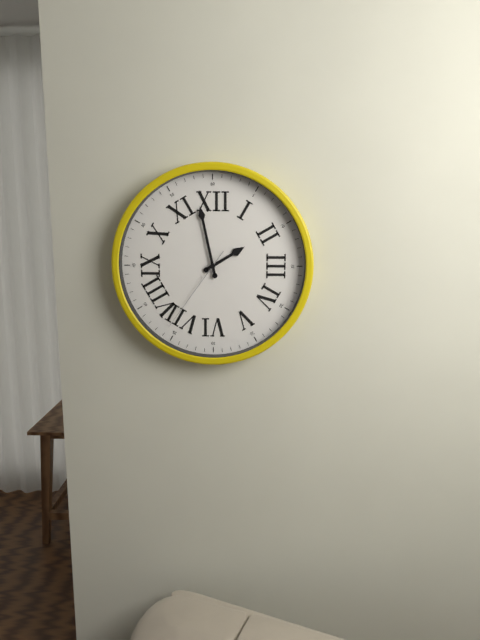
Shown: 1:58:36
